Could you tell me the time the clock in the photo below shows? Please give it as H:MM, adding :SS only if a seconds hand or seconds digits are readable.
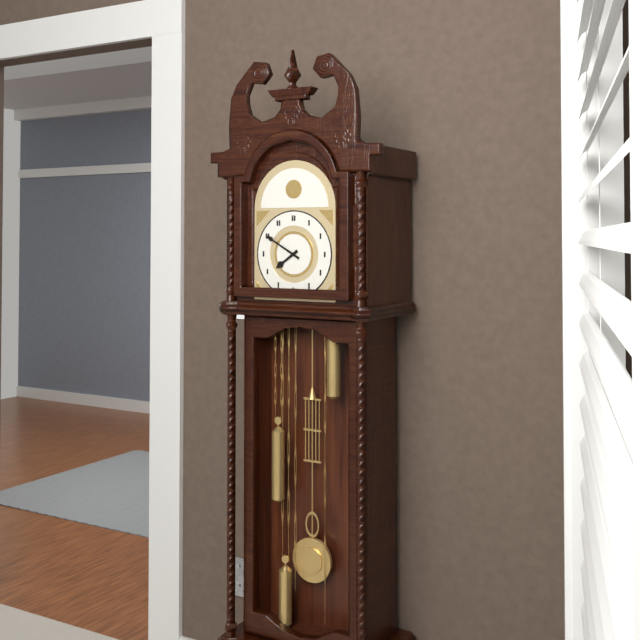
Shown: 7:50
